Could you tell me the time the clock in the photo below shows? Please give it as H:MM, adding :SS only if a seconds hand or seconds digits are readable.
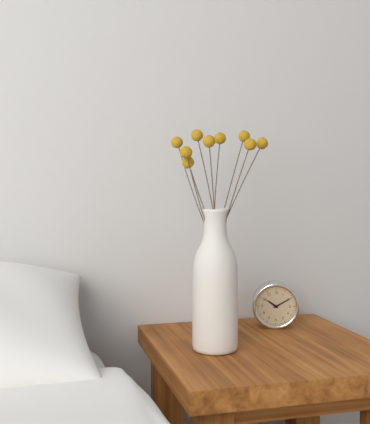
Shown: 10:10
